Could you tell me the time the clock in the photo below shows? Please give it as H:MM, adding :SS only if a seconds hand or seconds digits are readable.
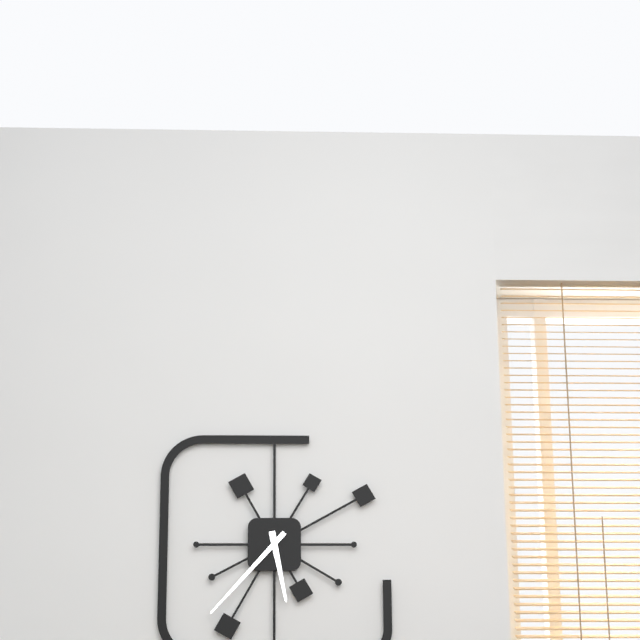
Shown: 5:37
